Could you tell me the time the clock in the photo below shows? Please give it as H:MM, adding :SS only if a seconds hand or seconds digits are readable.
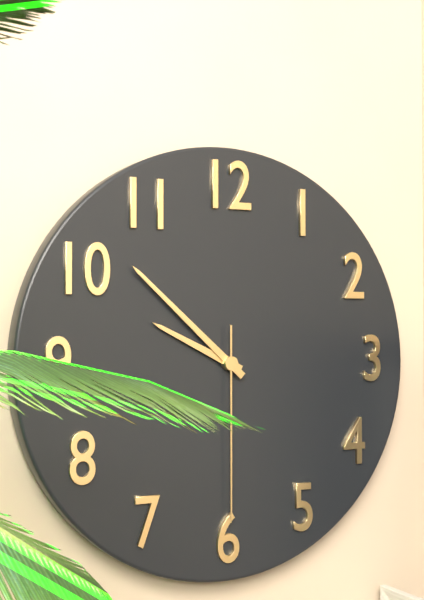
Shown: 9:52:30
